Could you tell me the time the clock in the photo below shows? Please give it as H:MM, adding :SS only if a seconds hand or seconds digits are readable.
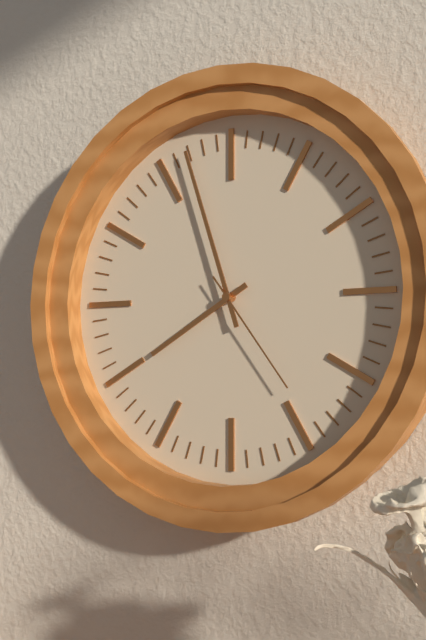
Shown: 7:57:24
